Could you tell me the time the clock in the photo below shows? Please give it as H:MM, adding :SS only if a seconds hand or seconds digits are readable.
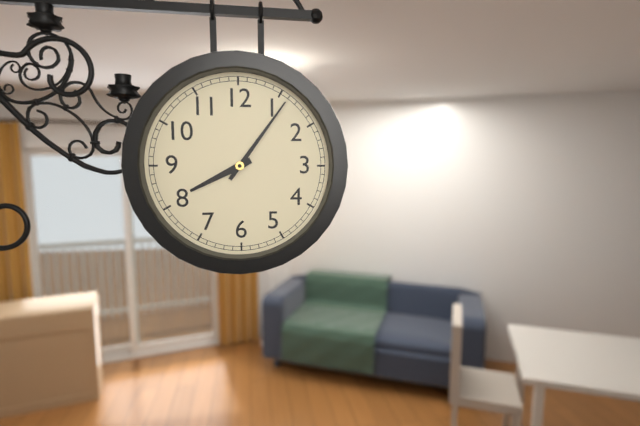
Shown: 8:06
